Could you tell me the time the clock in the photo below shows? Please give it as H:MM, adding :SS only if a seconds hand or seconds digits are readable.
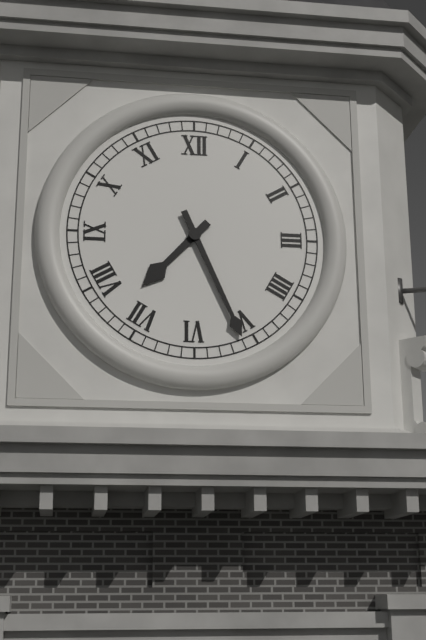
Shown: 7:26
